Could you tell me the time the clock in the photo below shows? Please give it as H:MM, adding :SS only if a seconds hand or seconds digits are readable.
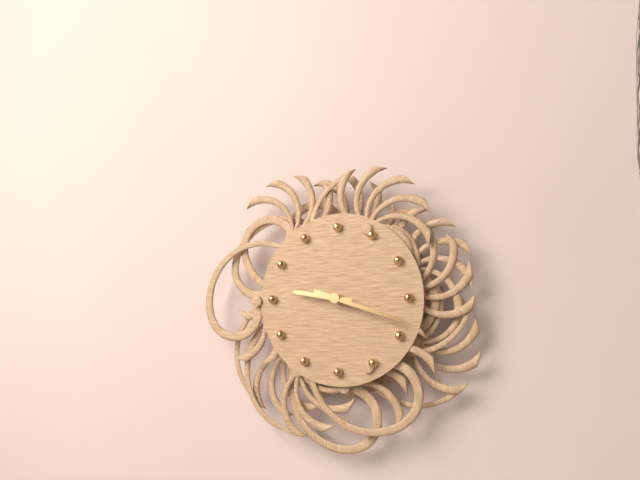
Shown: 9:18
